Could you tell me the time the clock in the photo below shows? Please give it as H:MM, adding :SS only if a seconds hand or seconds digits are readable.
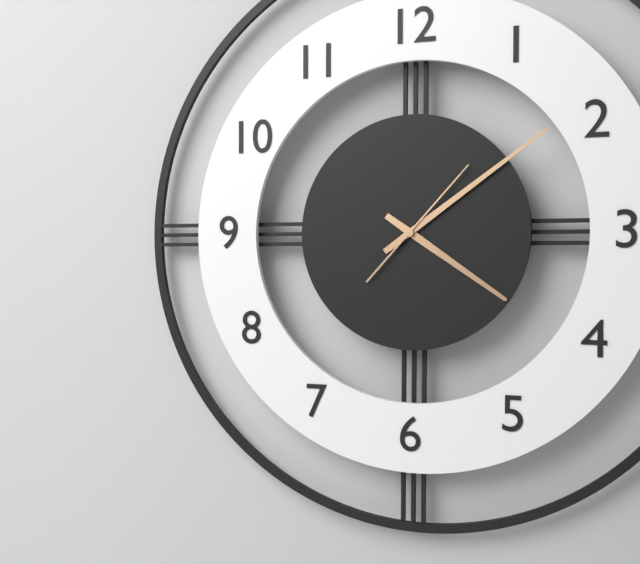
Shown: 4:09:07
